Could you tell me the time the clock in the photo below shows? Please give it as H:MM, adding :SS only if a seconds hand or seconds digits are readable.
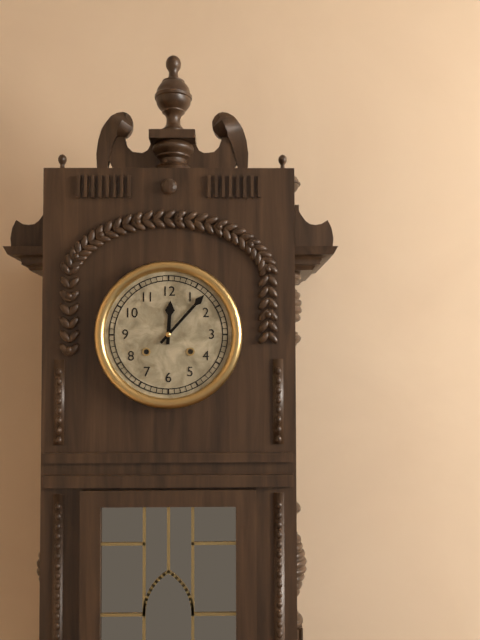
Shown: 12:07
